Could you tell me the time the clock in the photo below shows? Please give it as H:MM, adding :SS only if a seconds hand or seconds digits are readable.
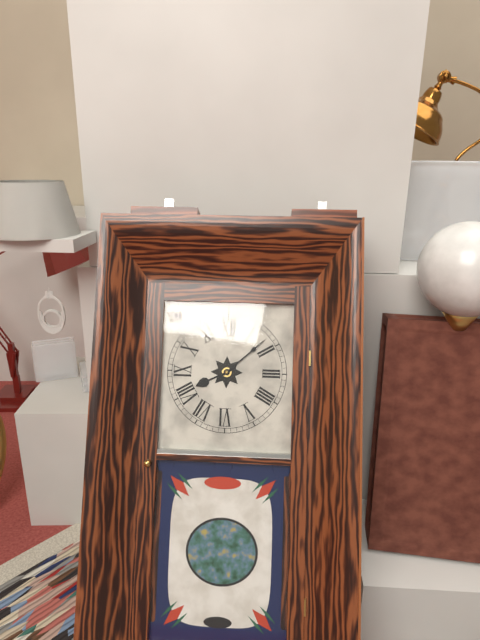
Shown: 8:08
